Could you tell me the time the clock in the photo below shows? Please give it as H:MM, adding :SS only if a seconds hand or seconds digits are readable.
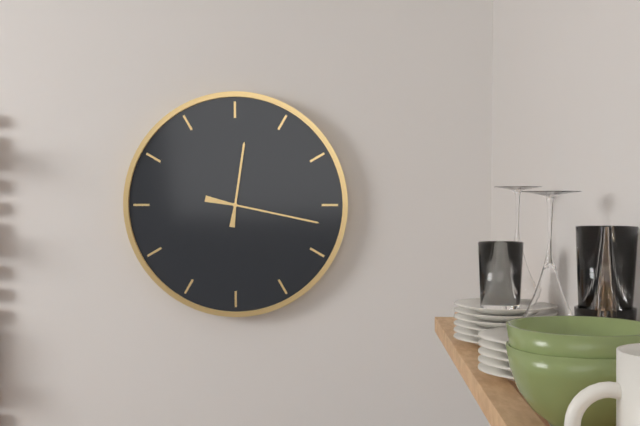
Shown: 12:17
